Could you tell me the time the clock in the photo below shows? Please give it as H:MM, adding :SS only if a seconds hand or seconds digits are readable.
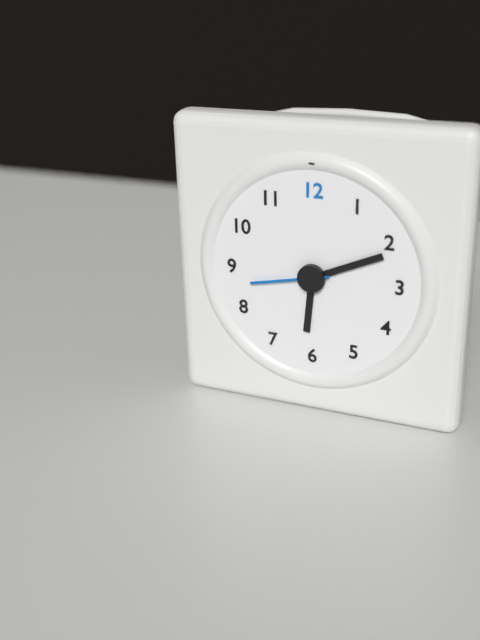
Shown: 6:11:43
